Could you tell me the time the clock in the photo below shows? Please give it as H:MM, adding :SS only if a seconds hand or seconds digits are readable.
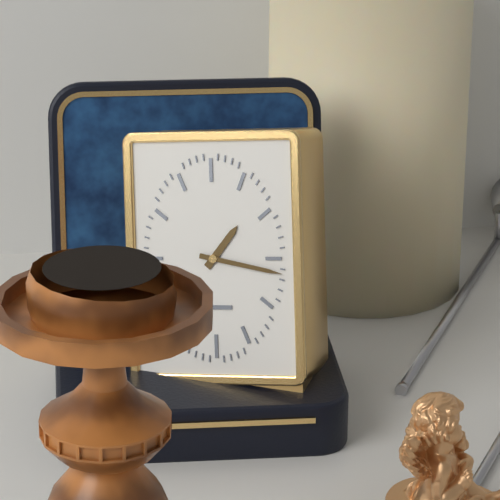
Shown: 1:17
